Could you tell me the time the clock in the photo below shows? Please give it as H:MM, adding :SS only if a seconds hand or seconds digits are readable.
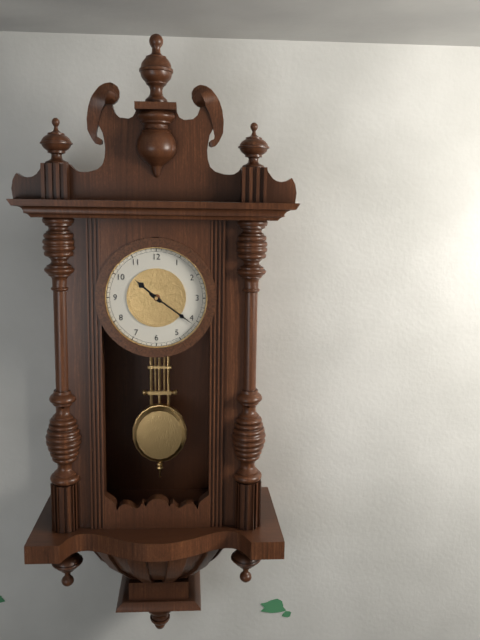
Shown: 10:21
